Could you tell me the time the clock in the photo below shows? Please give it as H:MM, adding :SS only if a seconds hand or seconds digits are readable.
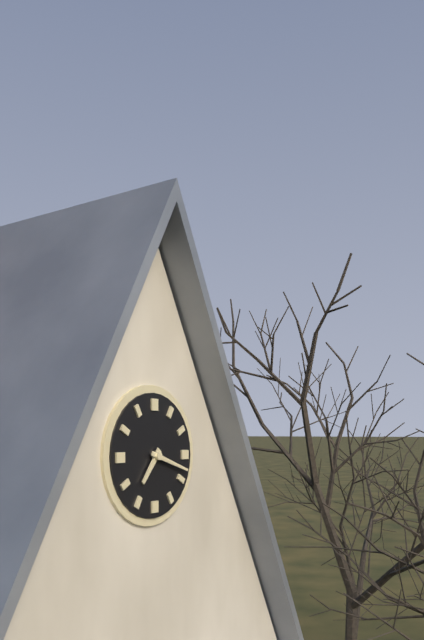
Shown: 7:18
